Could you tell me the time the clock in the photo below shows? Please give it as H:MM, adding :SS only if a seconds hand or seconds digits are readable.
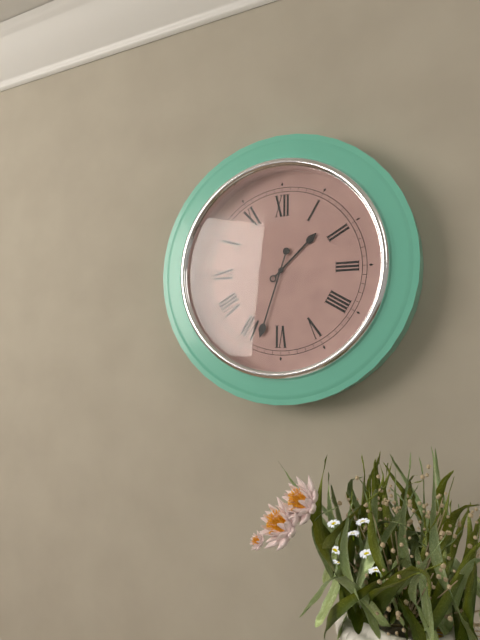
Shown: 1:33
